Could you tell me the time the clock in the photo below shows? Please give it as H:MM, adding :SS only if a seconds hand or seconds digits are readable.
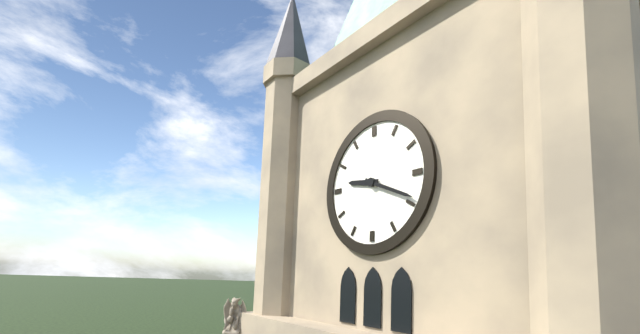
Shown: 9:19
